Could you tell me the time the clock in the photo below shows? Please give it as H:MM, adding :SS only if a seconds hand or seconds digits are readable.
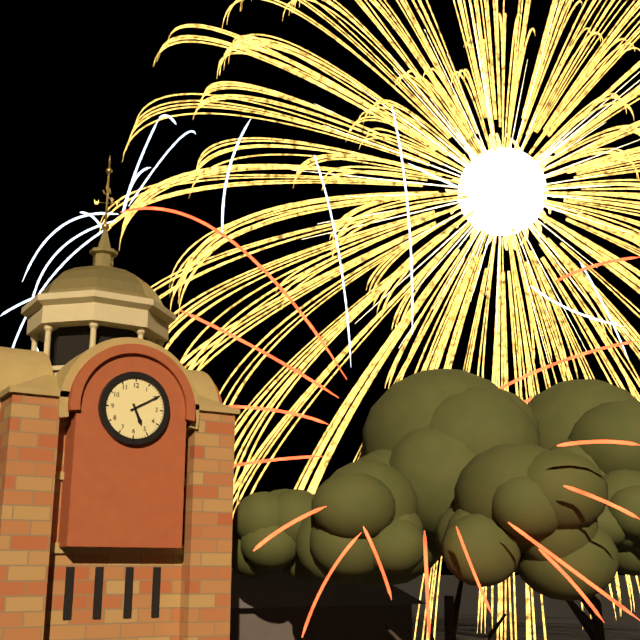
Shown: 5:10
